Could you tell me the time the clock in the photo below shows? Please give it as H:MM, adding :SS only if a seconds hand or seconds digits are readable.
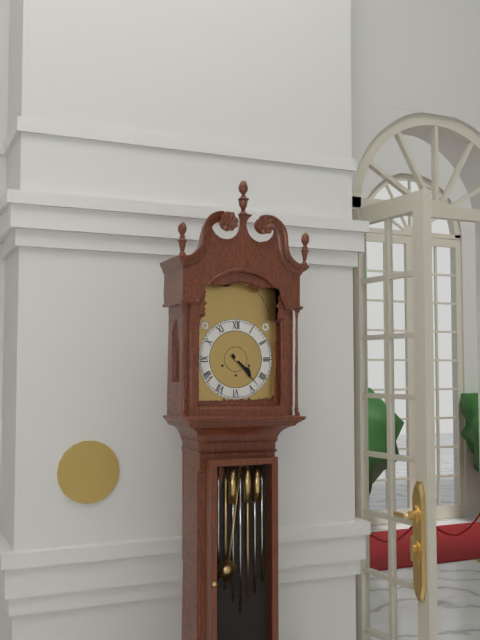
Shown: 4:23
